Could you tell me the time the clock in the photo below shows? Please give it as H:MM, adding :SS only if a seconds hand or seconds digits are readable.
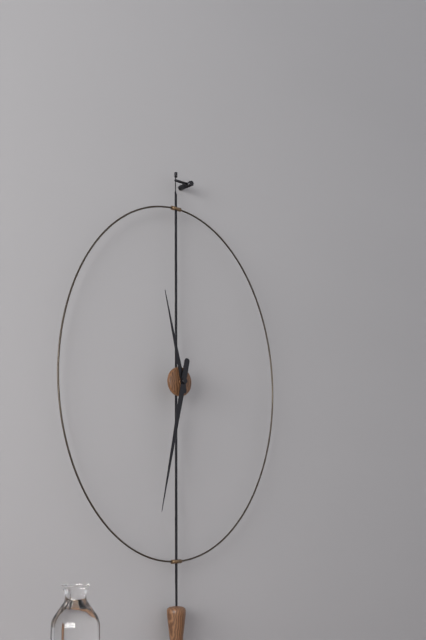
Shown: 11:32
